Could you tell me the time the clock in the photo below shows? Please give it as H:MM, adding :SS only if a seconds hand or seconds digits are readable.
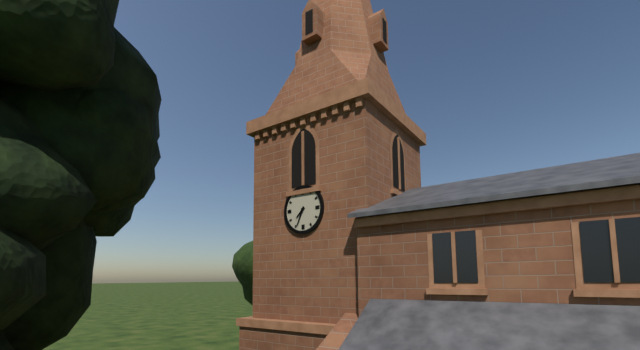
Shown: 7:34
